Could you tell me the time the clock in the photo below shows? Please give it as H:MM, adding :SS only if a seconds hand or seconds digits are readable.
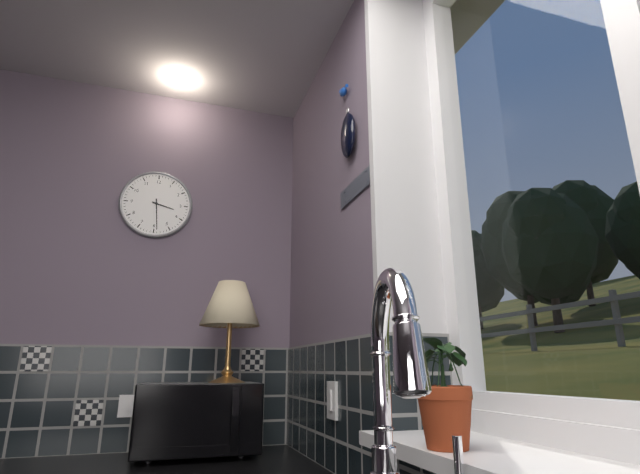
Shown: 3:29
